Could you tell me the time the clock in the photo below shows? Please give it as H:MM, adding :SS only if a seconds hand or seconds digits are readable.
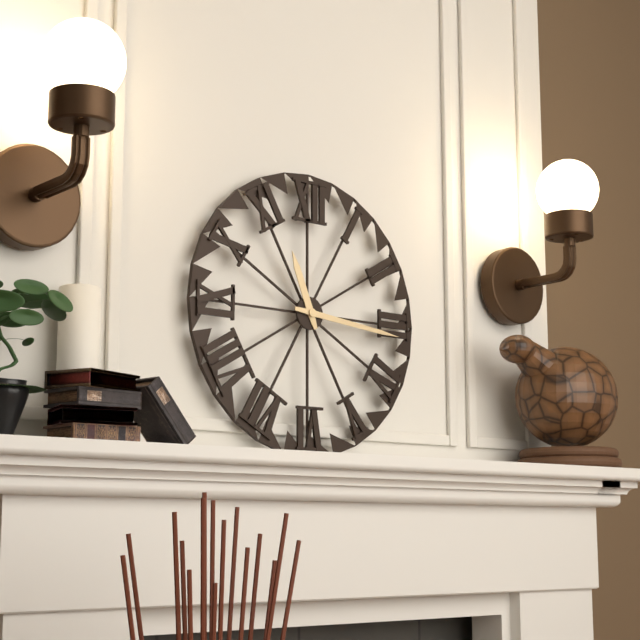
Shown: 11:16
